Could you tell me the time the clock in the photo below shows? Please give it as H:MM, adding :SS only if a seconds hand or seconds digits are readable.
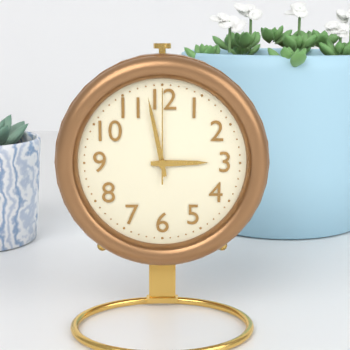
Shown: 2:58:00
